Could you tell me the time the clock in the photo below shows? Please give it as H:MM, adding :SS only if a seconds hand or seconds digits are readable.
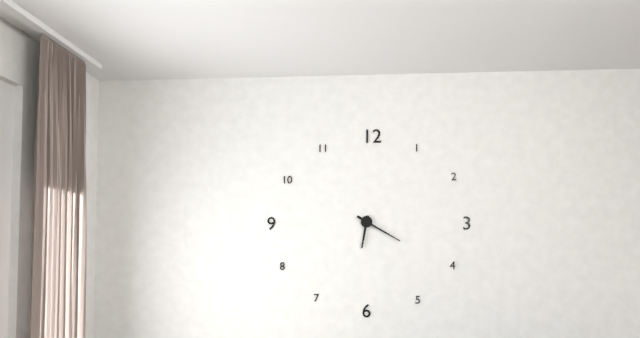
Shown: 6:20
